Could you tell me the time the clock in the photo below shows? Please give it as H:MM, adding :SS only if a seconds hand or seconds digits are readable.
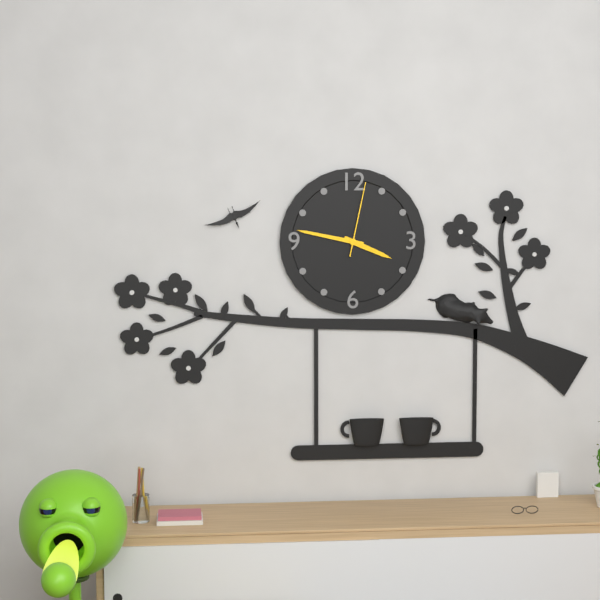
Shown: 3:47:02
